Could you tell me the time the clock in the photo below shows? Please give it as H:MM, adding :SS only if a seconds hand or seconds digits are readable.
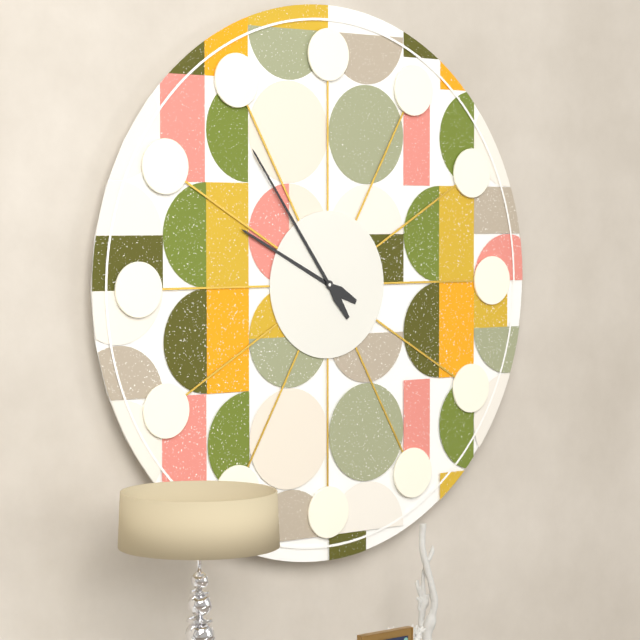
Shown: 9:54
